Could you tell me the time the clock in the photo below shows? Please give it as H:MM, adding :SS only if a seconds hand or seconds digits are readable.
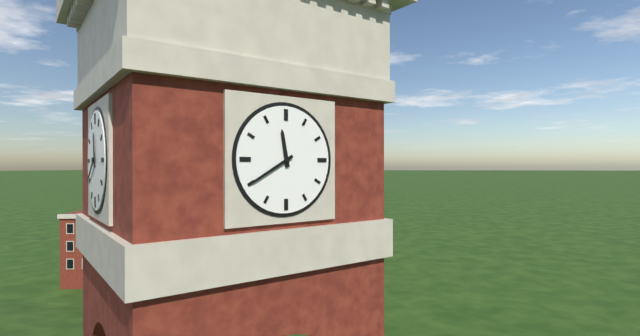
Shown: 11:40
